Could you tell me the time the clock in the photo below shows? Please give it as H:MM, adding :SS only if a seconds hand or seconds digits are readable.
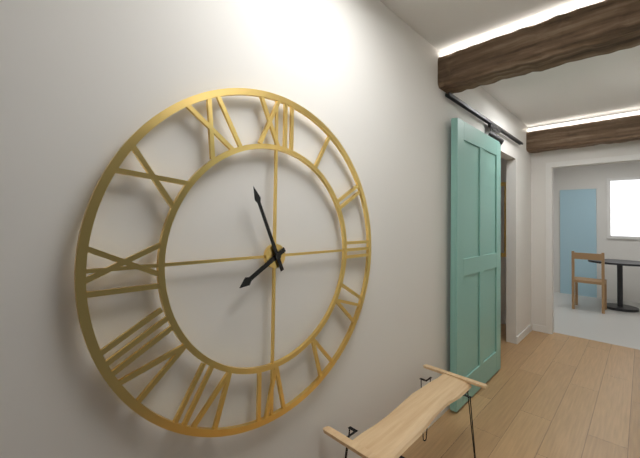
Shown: 7:56
